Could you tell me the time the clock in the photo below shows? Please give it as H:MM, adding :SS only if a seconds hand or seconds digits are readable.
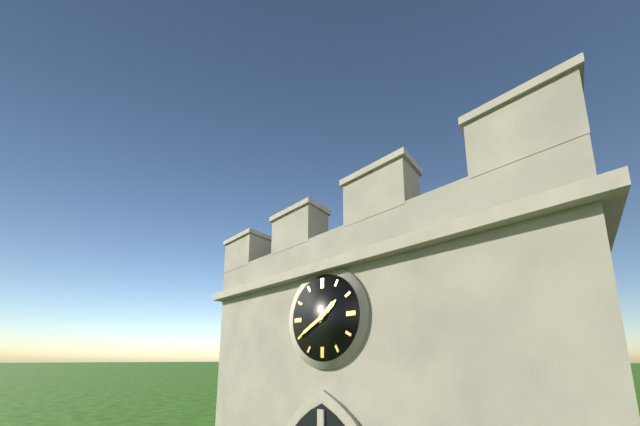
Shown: 1:40
